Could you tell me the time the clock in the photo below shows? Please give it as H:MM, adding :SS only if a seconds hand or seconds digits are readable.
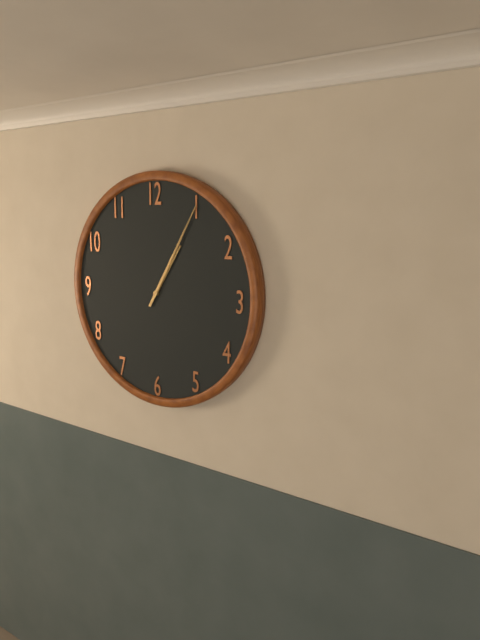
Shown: 1:05
